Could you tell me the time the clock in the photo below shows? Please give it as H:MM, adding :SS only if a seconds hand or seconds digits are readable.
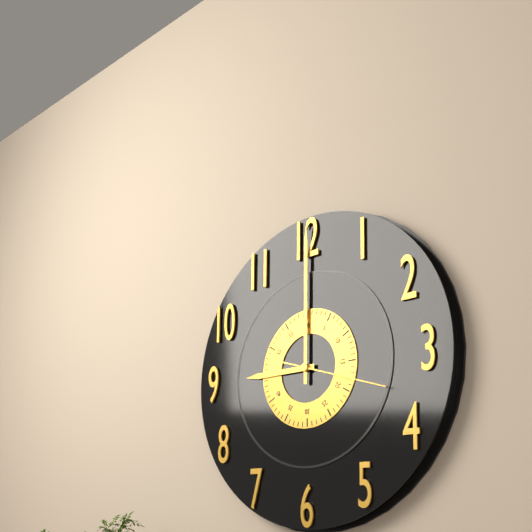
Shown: 9:00:18
